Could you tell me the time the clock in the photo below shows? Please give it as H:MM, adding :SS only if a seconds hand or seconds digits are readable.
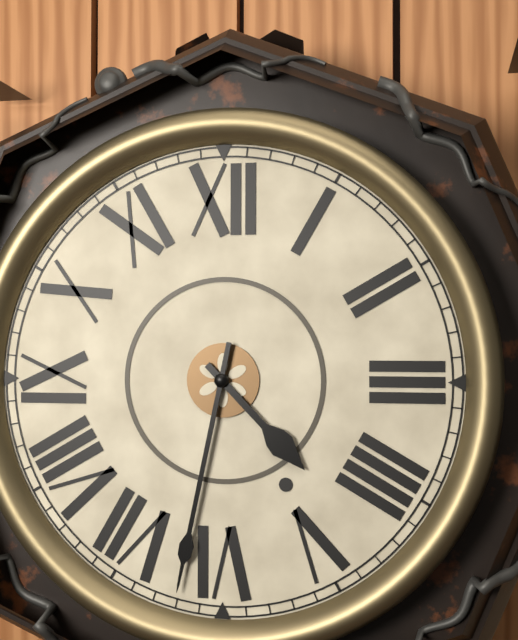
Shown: 4:32
